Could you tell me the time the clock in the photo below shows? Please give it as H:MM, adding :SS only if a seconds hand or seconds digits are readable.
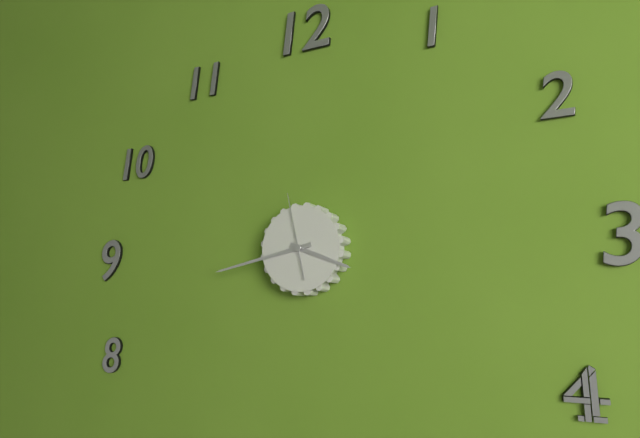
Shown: 3:43:58
